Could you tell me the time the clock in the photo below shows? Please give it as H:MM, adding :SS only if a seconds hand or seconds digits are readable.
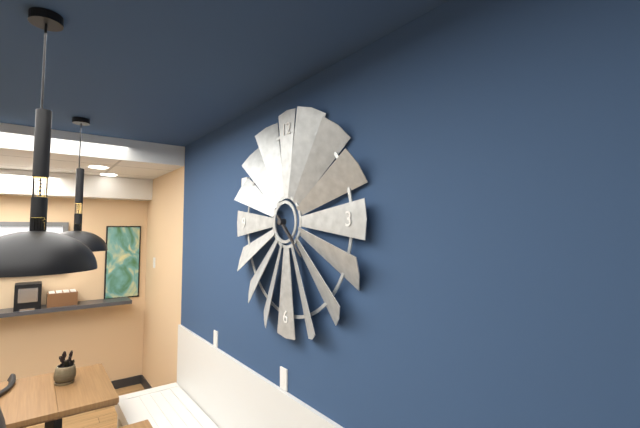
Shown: 4:22
